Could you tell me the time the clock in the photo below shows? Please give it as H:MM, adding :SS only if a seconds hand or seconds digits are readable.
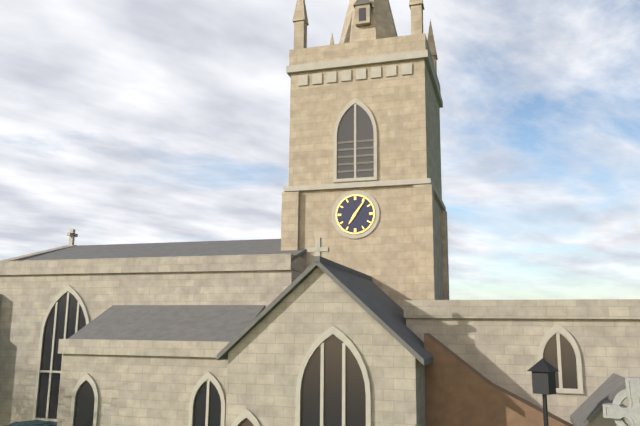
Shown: 7:06
